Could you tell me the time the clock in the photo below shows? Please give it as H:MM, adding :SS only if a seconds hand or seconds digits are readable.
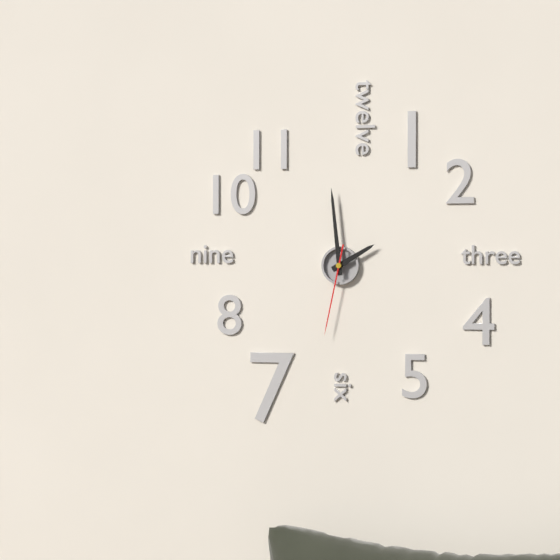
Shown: 1:59:32
